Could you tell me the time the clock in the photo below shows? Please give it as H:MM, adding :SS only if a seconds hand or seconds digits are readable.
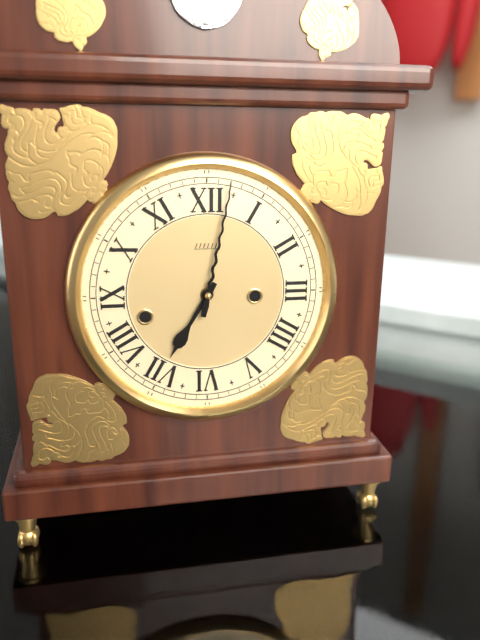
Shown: 7:02
